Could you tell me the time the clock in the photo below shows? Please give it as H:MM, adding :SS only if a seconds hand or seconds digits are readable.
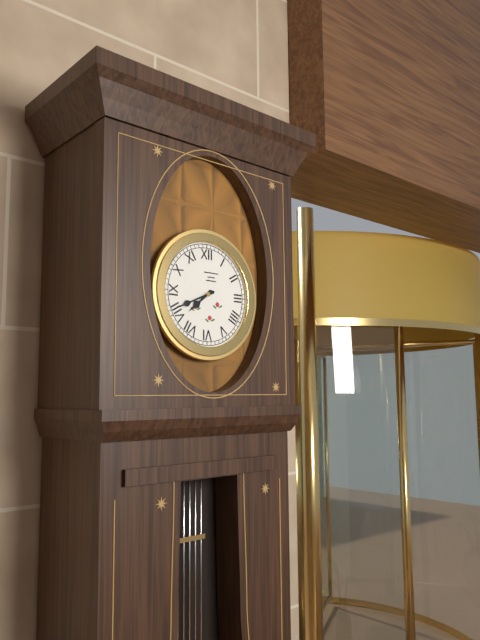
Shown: 7:41
